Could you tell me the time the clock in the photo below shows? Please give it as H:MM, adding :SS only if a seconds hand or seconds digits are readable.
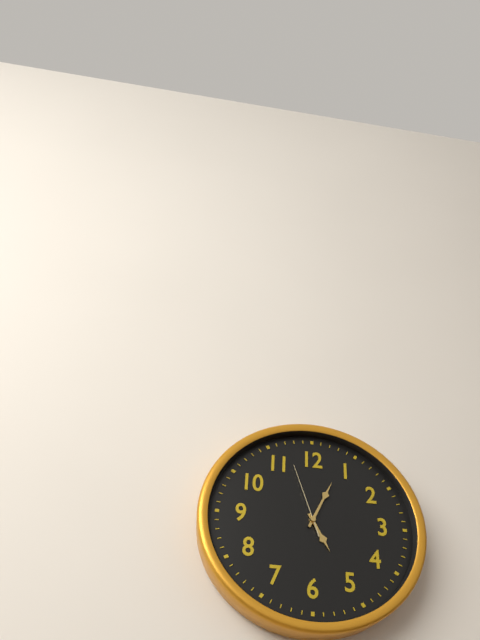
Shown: 5:04:57
